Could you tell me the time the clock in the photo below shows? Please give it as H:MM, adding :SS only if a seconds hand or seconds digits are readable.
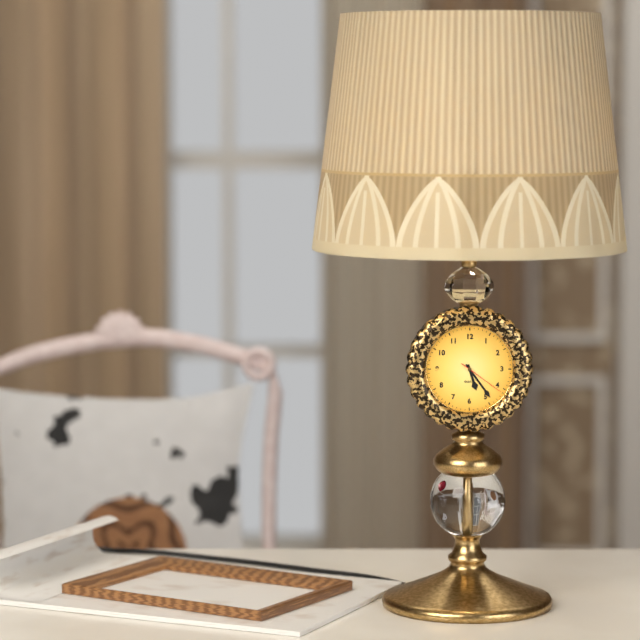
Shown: 5:24
